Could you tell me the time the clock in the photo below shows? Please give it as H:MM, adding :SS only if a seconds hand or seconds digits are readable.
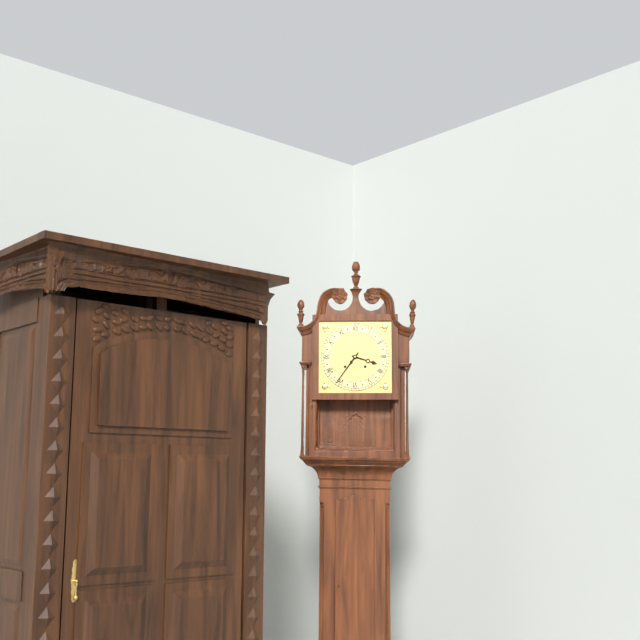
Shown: 3:36
